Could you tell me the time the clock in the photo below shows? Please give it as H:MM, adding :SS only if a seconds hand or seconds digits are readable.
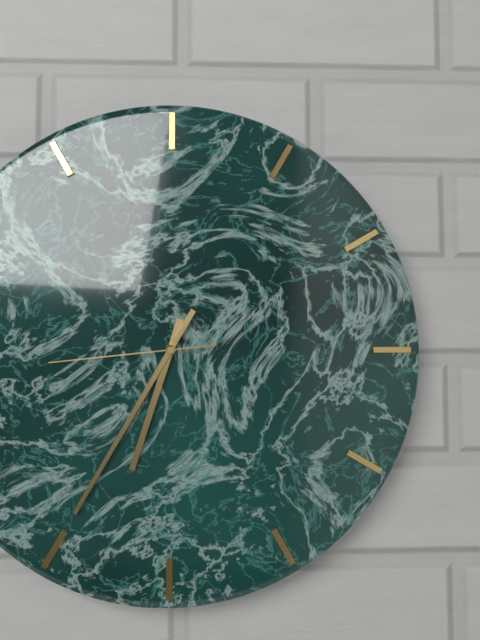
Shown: 6:35:44
